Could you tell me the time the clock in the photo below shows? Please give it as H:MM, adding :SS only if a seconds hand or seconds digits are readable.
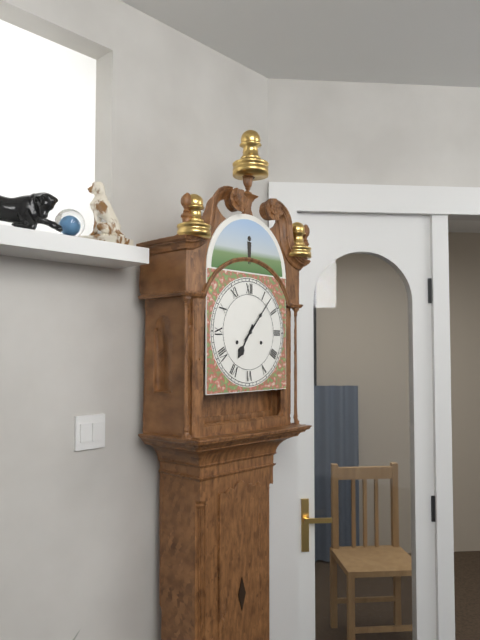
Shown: 7:07
